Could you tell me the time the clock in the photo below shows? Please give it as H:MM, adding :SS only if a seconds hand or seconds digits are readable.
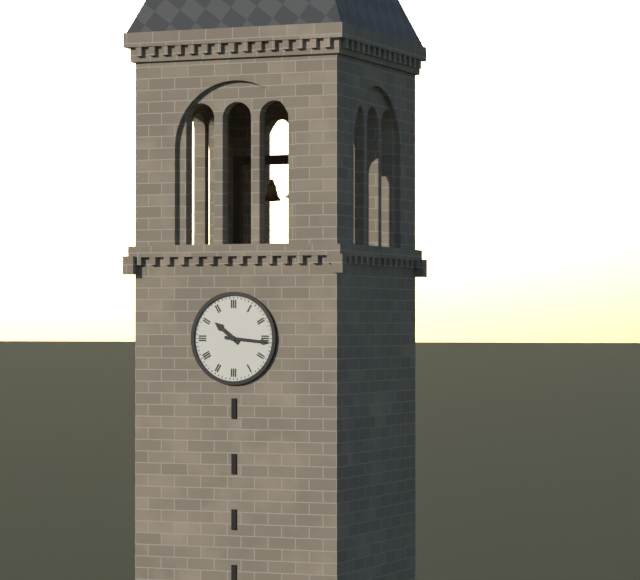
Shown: 10:16
